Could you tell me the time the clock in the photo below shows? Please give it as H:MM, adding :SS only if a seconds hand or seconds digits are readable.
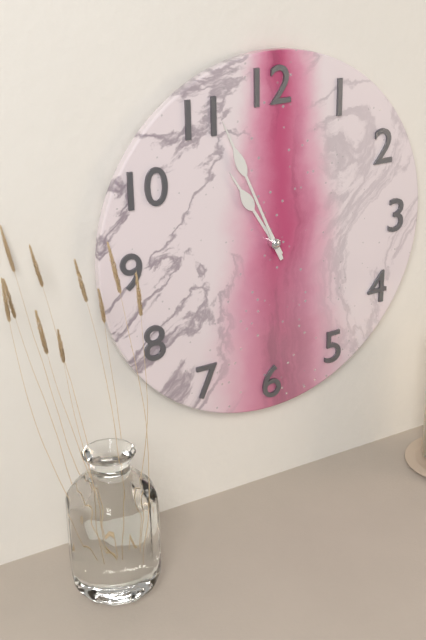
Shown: 10:56
